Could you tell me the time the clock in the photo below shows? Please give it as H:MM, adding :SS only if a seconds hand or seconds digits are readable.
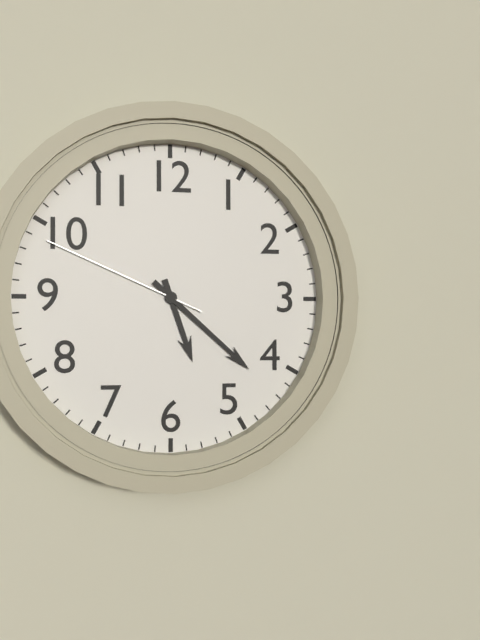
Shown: 5:22:49
